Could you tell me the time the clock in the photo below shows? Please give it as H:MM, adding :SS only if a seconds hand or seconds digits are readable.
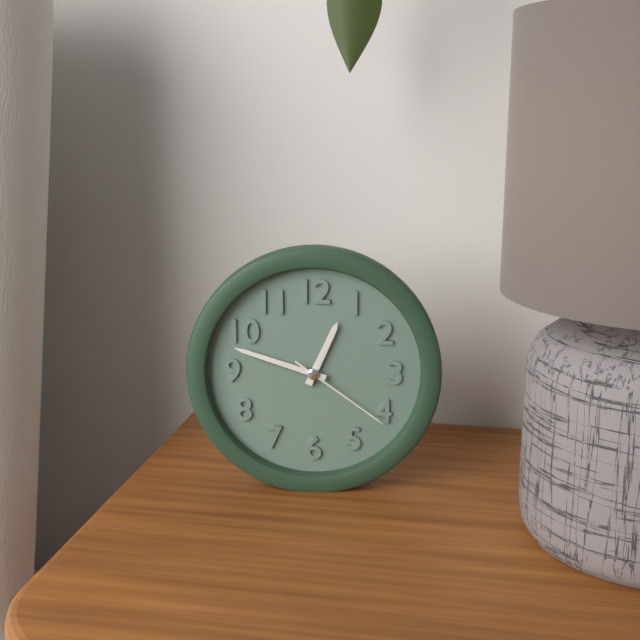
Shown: 12:48:21
